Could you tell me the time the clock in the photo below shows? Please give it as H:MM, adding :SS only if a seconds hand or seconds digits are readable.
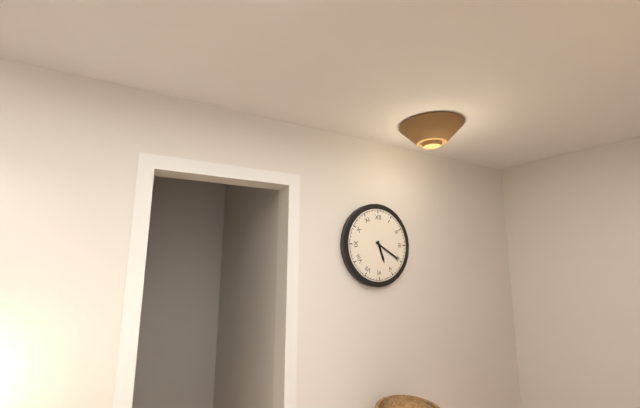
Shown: 5:20
